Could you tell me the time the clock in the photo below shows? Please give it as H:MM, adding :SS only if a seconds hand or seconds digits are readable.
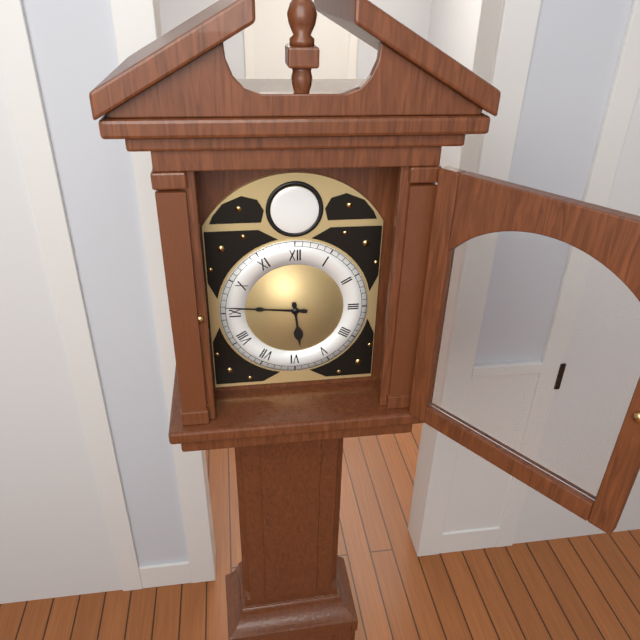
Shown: 5:46
